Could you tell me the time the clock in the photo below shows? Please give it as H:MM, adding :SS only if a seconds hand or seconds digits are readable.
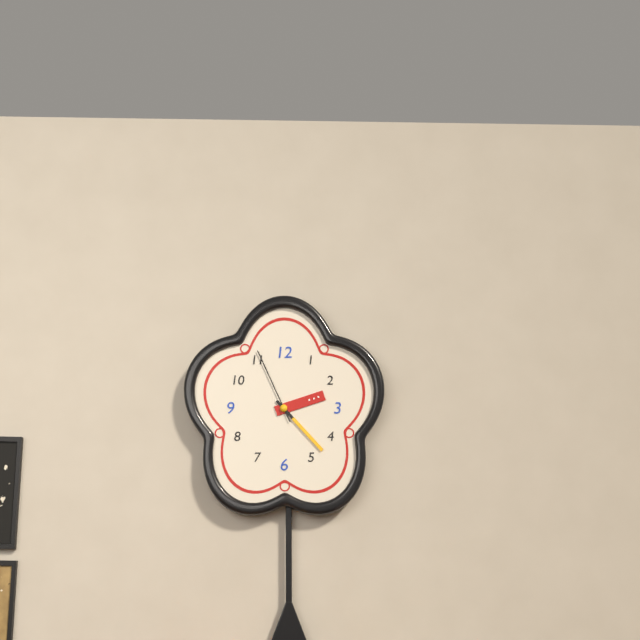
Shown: 2:23:56
